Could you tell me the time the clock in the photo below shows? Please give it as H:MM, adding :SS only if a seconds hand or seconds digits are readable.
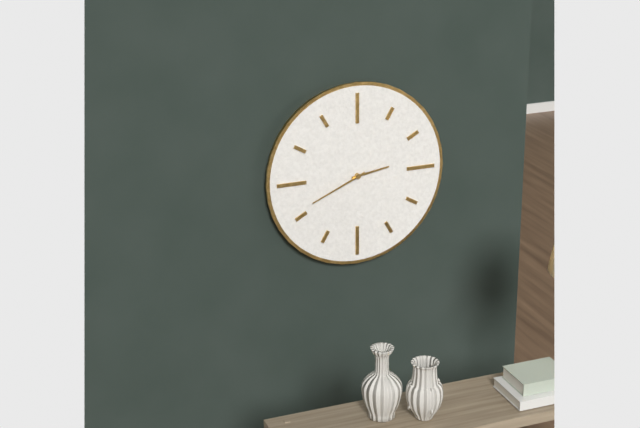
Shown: 2:41
